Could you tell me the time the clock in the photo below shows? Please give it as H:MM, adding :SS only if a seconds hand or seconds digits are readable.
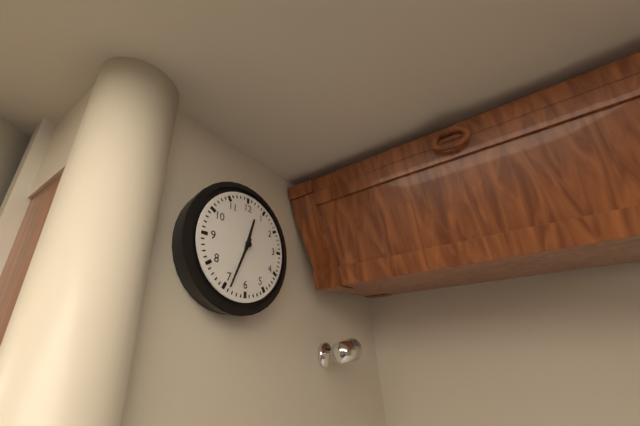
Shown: 12:34
